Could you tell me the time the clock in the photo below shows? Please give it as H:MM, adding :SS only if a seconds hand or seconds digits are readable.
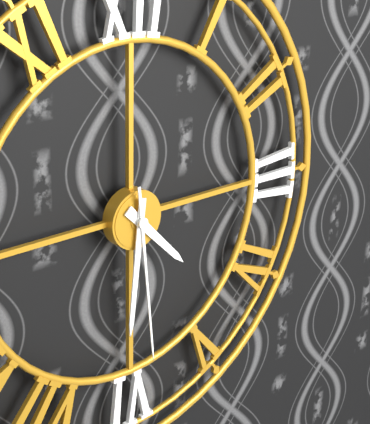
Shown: 4:31:29
